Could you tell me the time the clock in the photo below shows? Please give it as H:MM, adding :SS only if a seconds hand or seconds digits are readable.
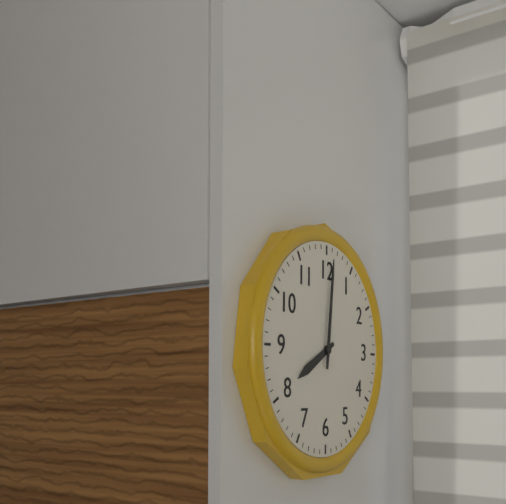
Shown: 8:01
